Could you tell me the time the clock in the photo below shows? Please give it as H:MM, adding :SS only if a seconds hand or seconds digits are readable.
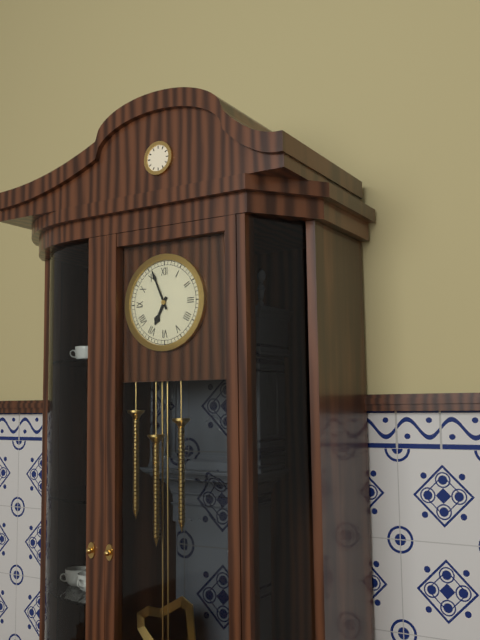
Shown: 6:56
